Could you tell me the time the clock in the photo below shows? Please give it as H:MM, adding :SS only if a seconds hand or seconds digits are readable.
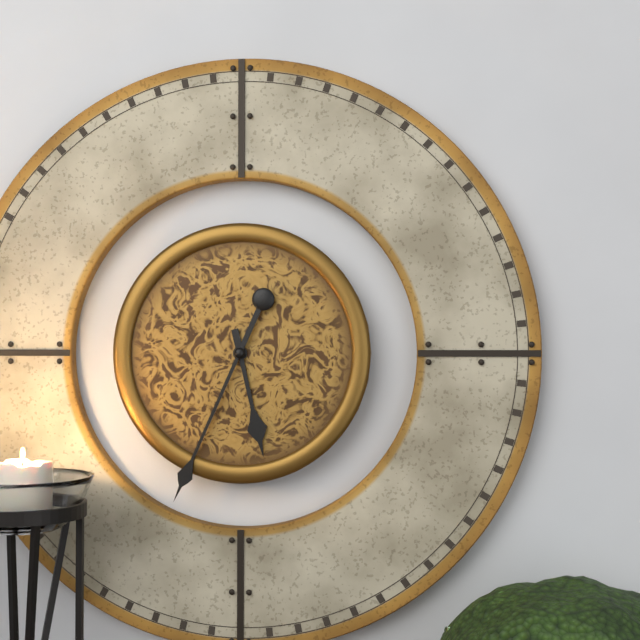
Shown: 5:34
